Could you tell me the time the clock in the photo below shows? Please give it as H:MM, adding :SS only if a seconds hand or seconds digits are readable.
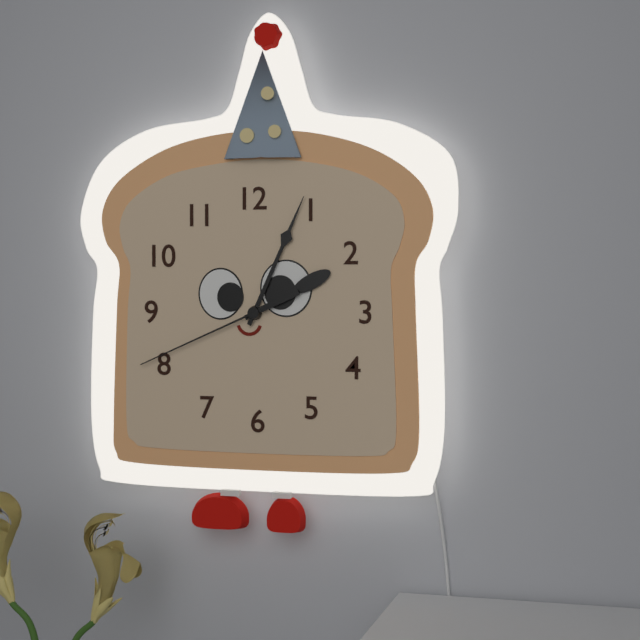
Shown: 2:04:41
